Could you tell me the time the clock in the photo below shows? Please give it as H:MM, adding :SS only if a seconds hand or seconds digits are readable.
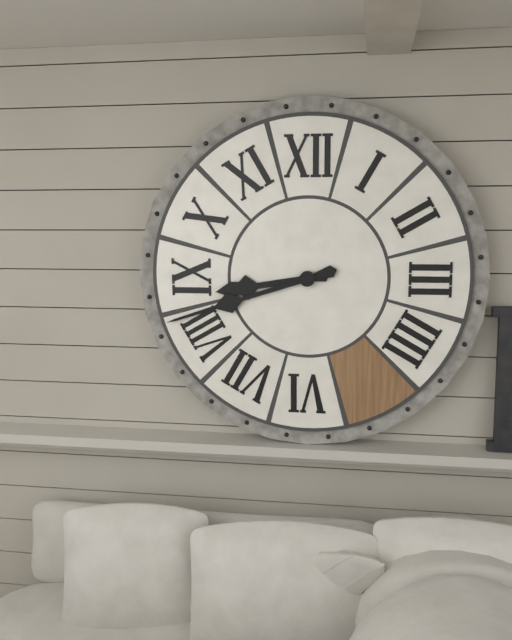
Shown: 8:42
